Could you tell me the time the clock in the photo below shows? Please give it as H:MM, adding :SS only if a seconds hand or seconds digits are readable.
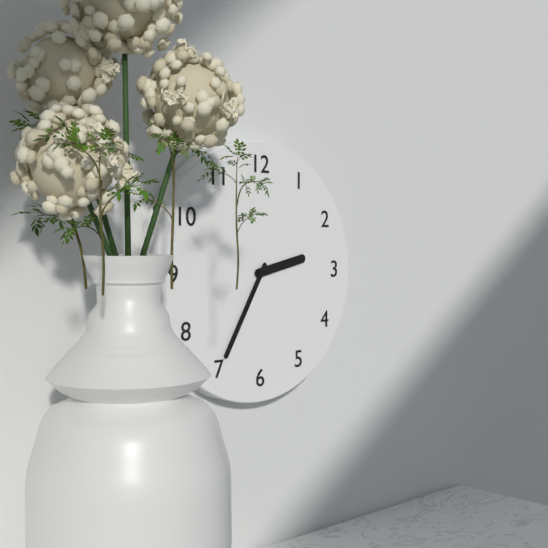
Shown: 2:35
